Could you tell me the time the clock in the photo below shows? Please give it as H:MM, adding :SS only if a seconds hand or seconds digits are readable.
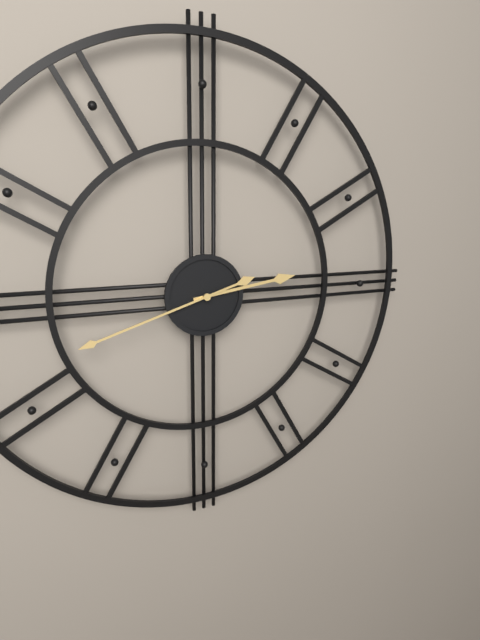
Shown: 2:42
